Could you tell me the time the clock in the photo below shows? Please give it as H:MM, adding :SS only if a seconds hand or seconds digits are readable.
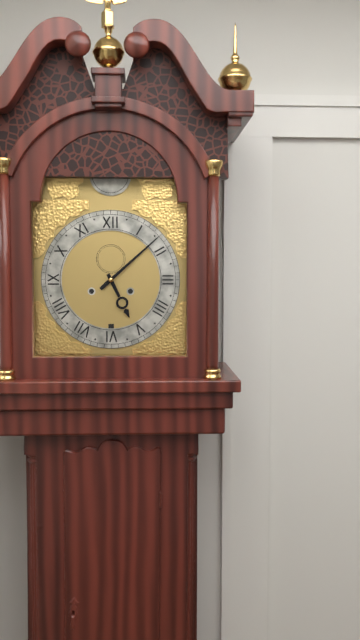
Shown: 5:08
